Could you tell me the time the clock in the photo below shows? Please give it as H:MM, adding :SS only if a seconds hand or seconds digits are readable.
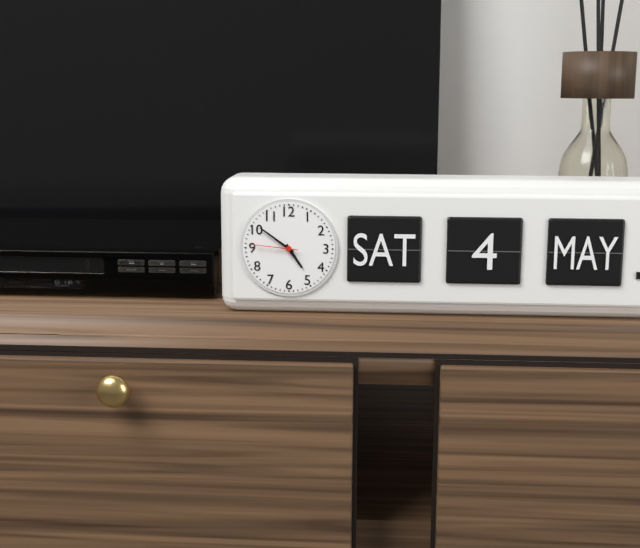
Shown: 4:51
